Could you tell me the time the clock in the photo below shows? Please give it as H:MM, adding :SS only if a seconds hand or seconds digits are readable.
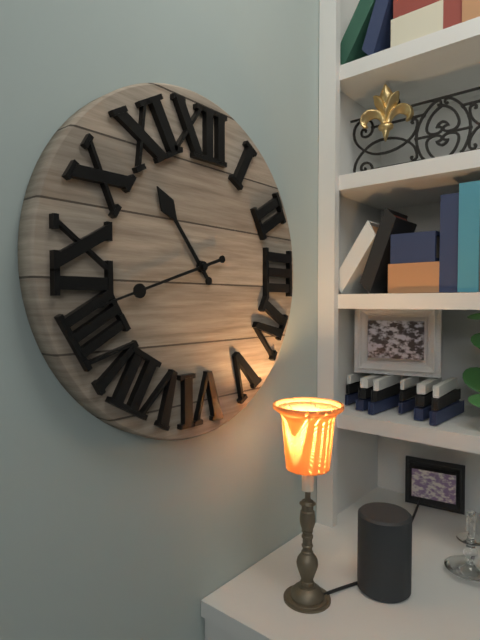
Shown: 10:42
